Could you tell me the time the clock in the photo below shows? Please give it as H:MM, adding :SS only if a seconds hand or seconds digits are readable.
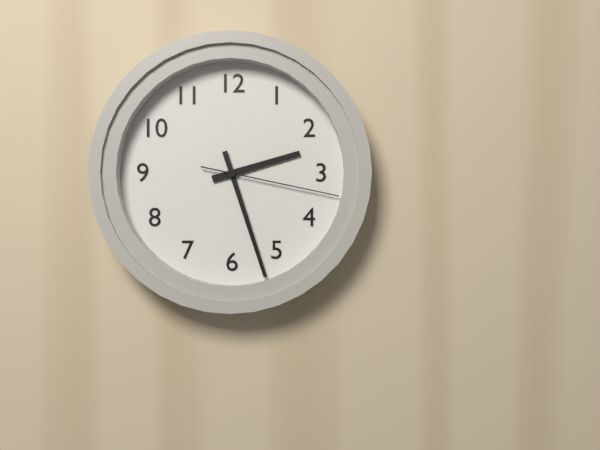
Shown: 2:27:17
